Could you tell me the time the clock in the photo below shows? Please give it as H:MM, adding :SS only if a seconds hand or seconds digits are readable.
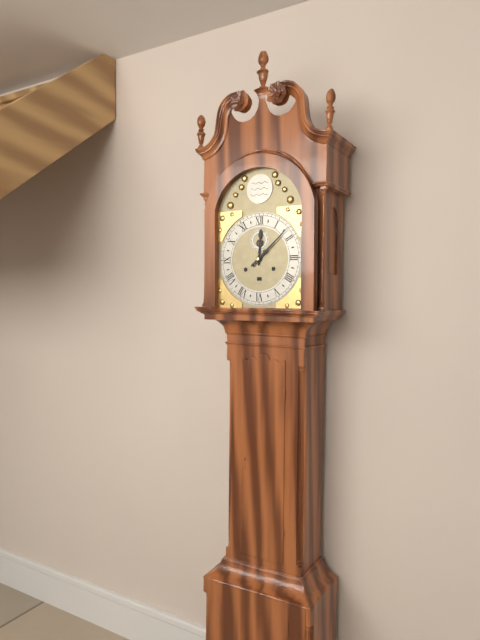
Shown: 12:08
